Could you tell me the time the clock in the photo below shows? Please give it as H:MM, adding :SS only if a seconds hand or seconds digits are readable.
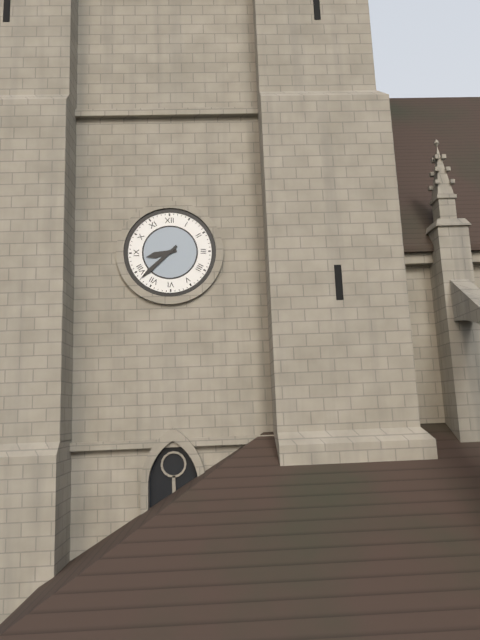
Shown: 8:38
